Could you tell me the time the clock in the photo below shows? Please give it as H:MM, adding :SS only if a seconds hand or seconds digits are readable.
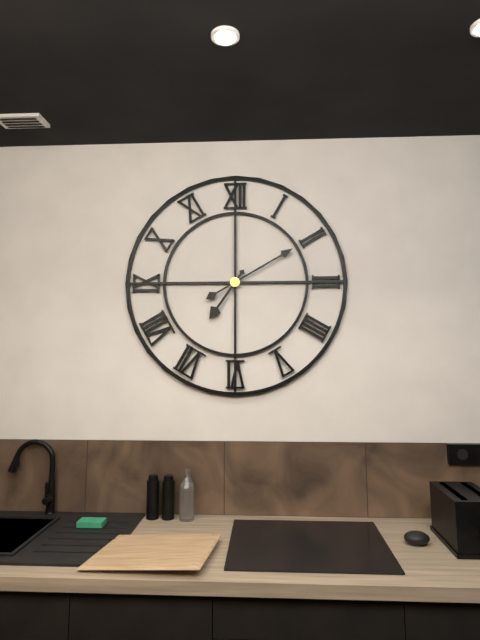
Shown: 7:10
